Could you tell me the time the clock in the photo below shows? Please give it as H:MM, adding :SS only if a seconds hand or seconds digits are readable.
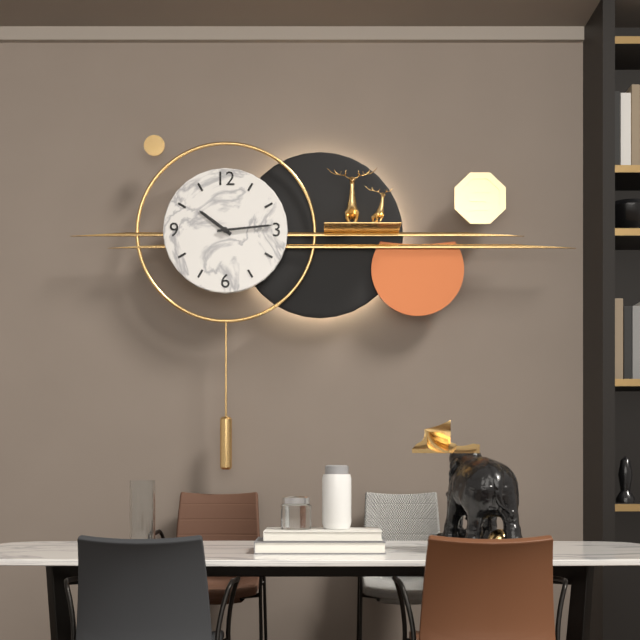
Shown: 10:14
